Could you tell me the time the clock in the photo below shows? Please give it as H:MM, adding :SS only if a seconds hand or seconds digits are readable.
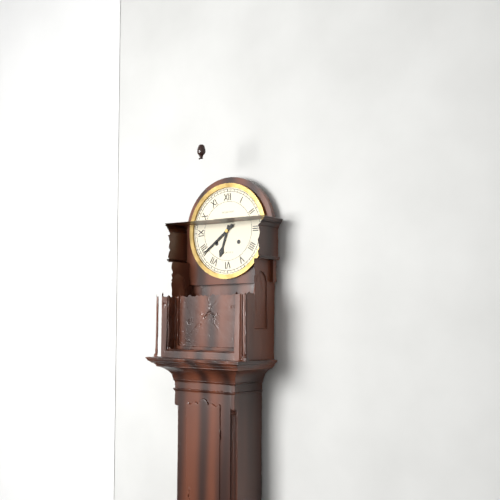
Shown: 6:39
